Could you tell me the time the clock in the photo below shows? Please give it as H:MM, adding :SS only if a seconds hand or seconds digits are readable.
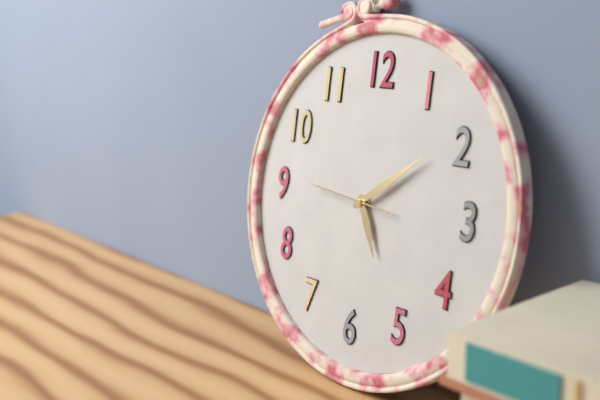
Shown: 5:09:46
